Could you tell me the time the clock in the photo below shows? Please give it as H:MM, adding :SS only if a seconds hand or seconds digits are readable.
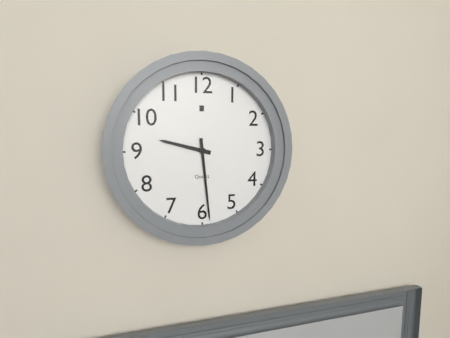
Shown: 9:29
